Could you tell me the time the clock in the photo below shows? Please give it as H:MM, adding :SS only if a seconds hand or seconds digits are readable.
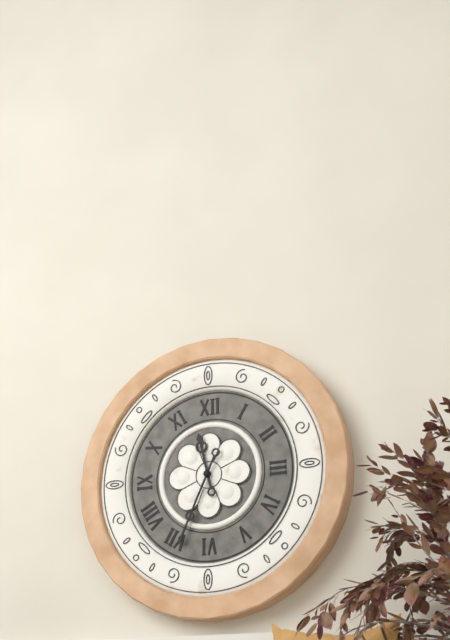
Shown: 11:34
